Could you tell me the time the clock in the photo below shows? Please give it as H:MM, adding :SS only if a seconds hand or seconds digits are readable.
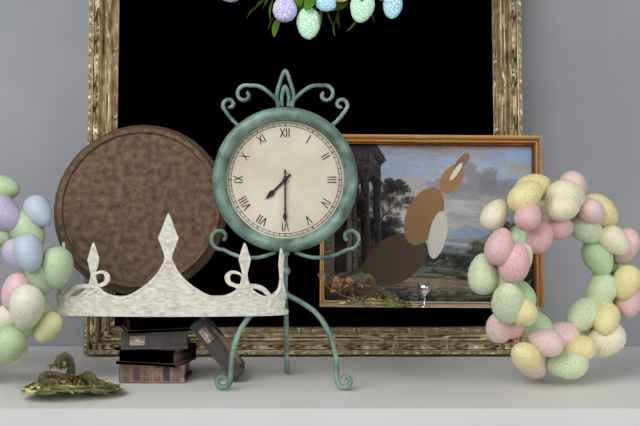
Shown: 7:30
